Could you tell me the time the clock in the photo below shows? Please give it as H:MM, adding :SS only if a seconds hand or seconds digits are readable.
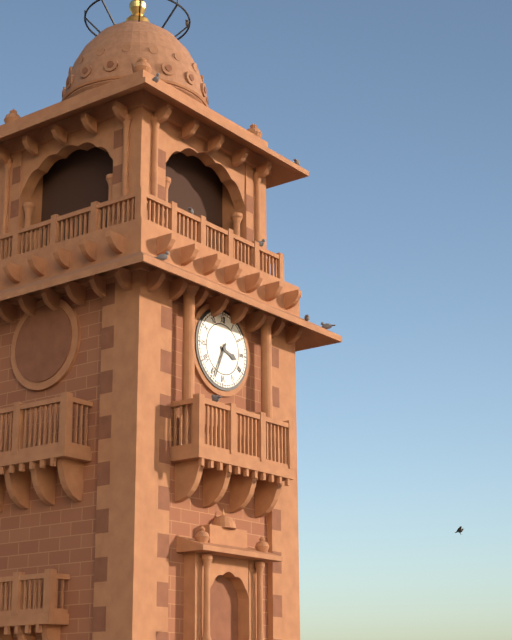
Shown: 3:34
